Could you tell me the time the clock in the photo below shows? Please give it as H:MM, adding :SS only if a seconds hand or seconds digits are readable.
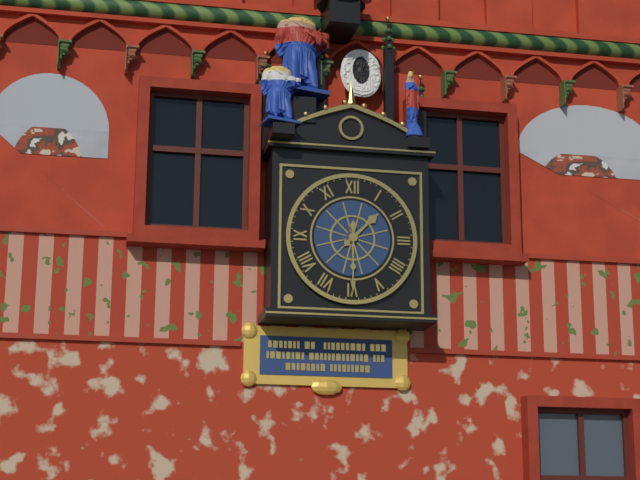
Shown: 1:30
